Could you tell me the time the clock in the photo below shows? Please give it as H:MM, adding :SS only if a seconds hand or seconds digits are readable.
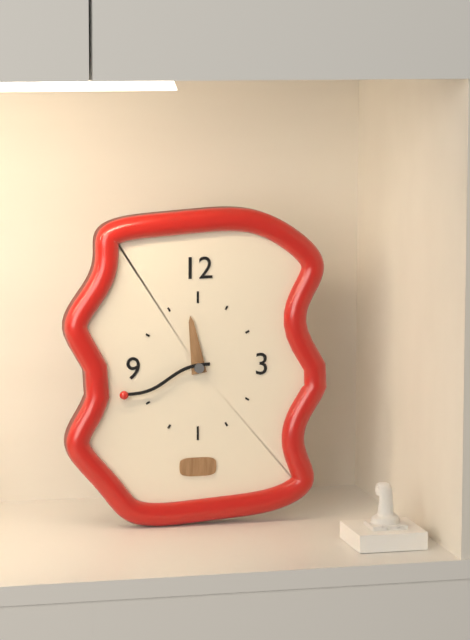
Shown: 11:42
